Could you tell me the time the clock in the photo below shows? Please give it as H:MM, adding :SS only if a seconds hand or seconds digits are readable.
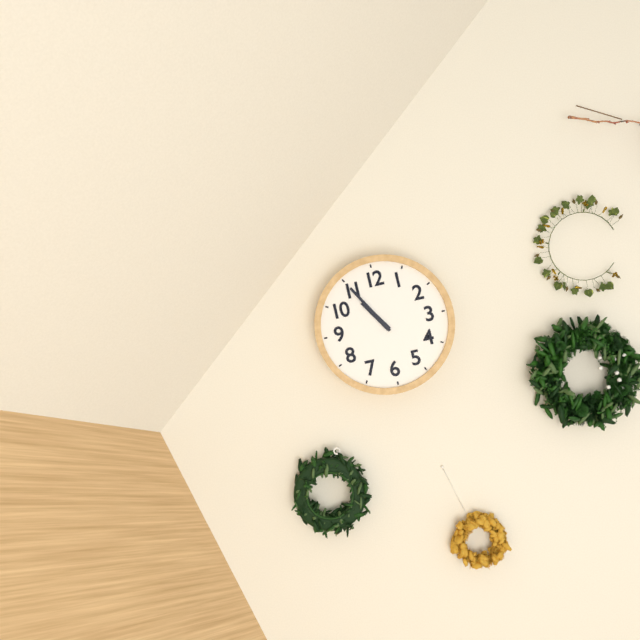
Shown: 10:55
